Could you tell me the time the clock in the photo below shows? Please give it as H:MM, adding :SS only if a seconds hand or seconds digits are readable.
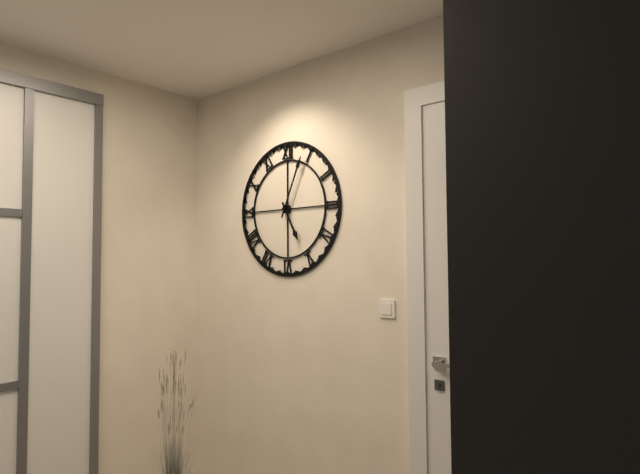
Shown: 5:04
